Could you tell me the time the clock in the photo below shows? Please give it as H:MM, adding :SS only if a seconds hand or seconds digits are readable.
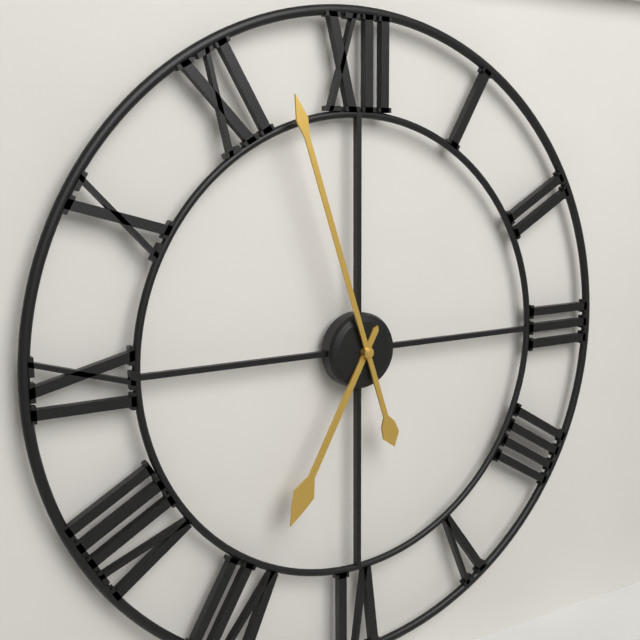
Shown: 6:57
